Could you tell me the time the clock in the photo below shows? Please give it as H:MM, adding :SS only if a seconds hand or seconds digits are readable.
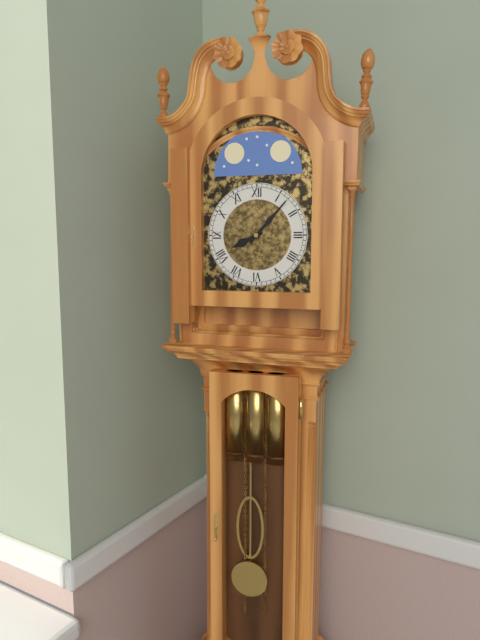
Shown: 8:07
